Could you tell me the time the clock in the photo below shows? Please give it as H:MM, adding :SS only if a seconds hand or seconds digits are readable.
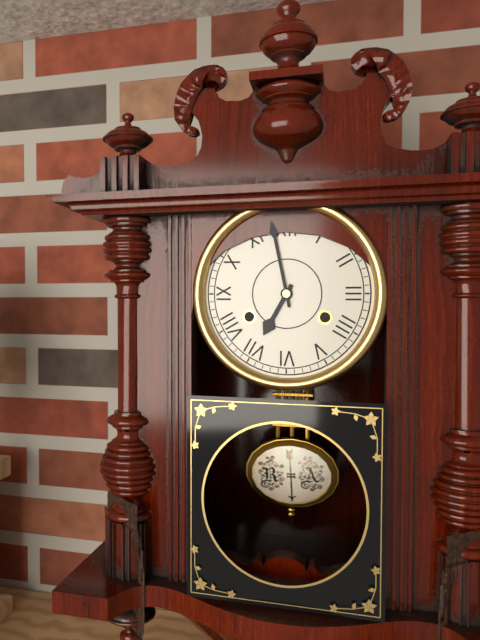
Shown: 6:58
